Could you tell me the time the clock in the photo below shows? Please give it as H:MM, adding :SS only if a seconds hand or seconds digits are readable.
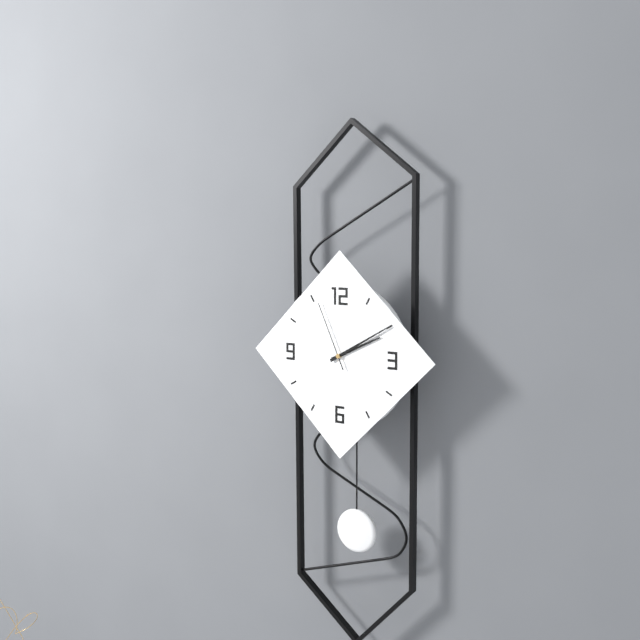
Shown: 2:10:56
